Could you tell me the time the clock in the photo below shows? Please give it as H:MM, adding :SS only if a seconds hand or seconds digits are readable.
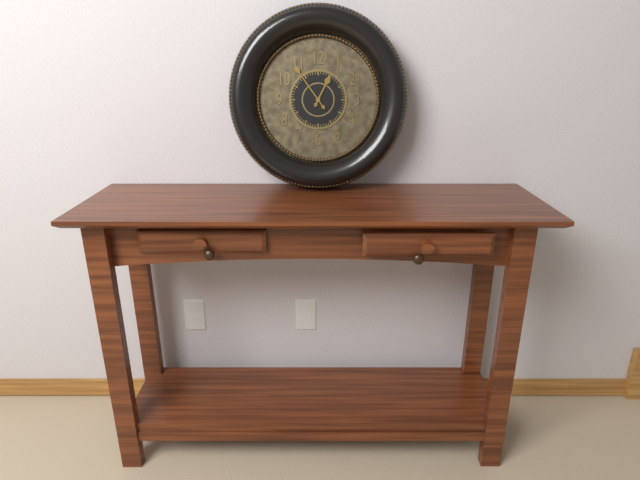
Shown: 12:54
